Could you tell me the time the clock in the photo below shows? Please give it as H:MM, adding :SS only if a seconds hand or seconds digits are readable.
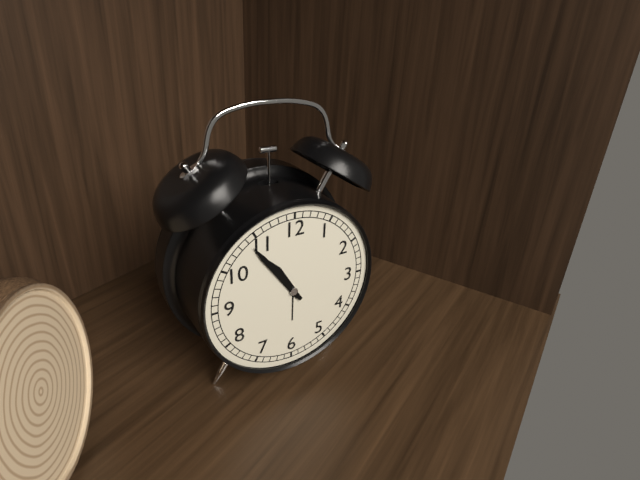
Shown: 10:54
